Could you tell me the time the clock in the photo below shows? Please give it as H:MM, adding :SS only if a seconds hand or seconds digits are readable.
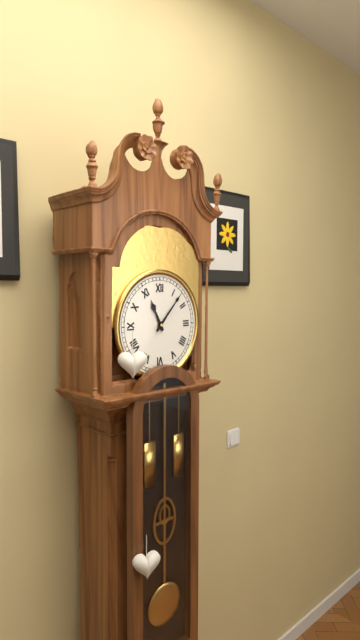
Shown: 11:07
